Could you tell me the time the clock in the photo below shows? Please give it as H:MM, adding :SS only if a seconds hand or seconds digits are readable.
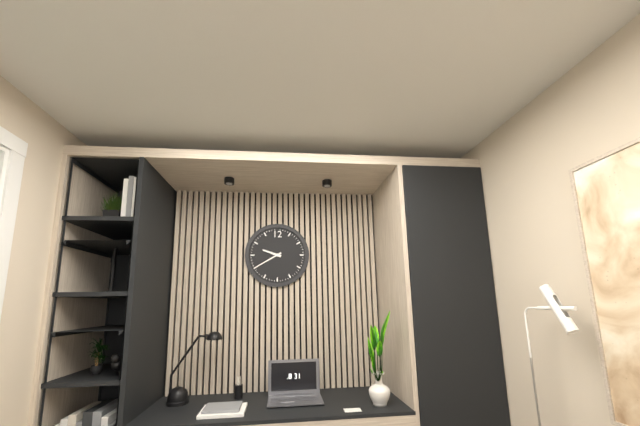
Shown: 9:40
